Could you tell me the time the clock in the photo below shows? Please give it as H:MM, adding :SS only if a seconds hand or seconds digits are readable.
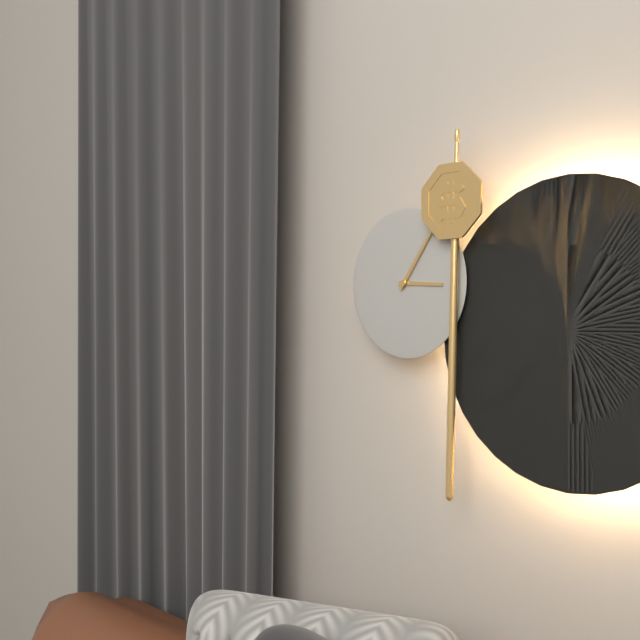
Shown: 3:06
